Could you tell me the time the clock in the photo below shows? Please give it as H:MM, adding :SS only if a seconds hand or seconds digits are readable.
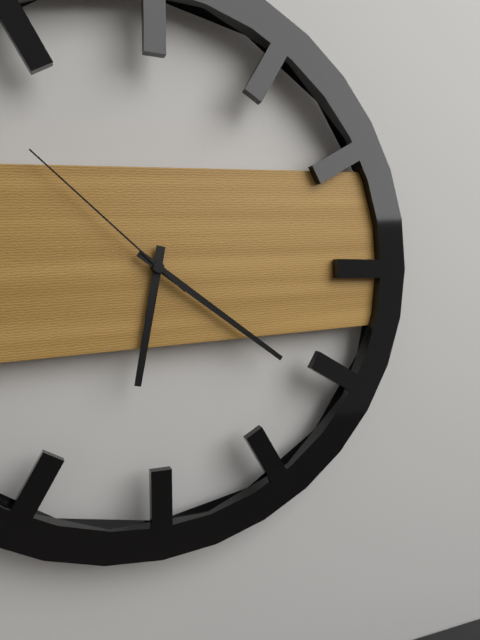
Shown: 6:21:52
